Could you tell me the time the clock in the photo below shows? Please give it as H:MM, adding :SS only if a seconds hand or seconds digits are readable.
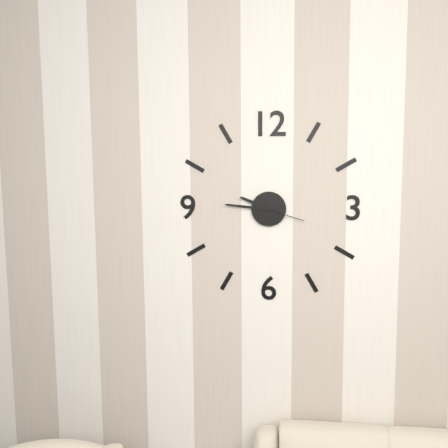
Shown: 9:46
